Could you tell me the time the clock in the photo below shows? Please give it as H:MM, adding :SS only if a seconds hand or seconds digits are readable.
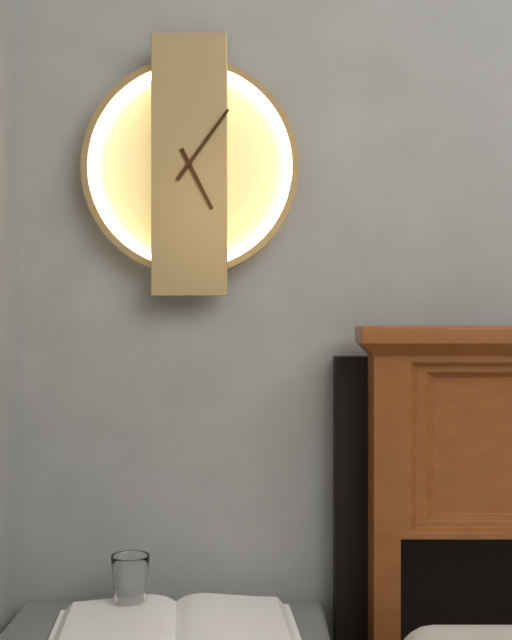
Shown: 5:06
